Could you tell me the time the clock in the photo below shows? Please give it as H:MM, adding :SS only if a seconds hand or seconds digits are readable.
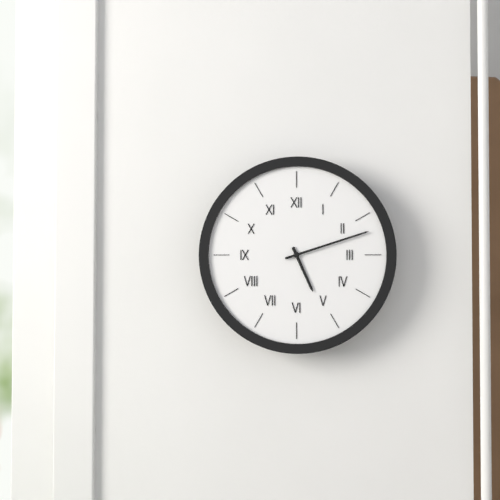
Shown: 5:12
